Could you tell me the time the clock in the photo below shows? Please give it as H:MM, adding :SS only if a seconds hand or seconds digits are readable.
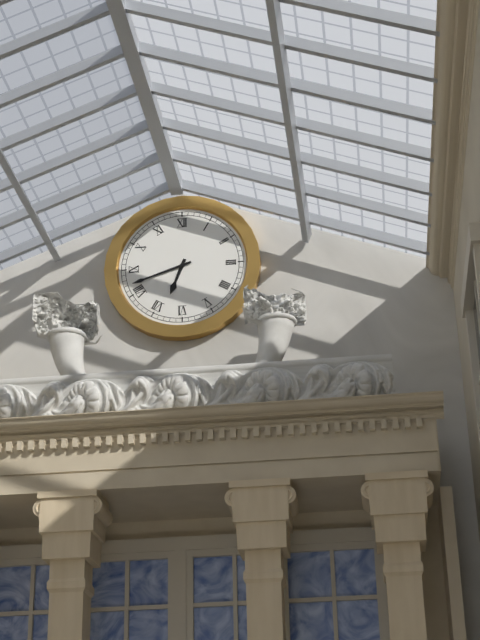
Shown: 6:42
